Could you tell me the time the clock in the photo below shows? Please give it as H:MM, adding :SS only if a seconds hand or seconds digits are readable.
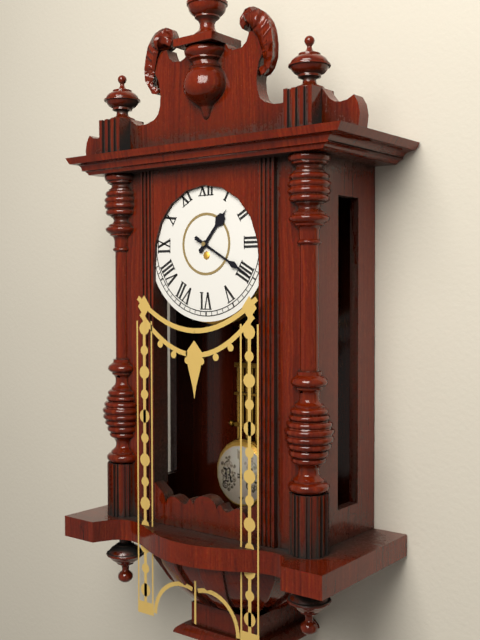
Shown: 1:20
